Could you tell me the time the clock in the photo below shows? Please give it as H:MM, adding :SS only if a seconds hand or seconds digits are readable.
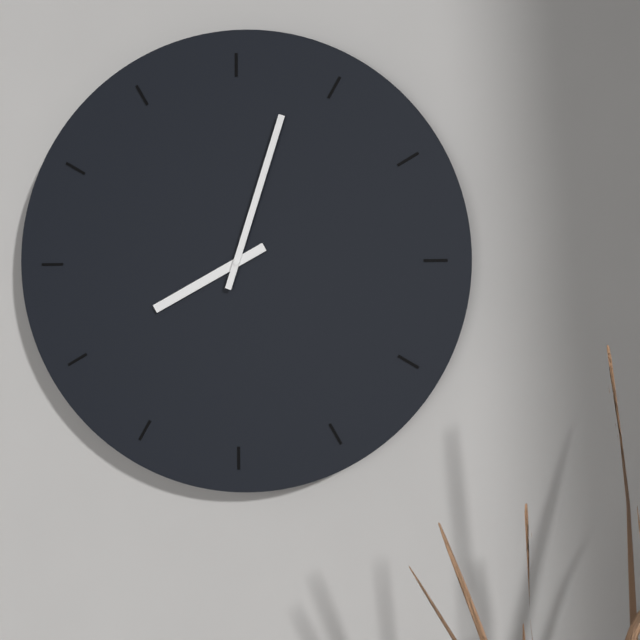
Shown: 8:03
